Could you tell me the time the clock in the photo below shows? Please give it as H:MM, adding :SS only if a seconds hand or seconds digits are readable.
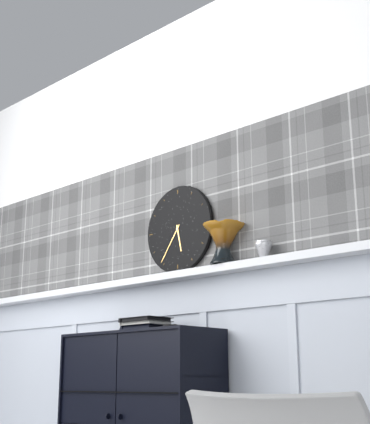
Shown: 5:36
